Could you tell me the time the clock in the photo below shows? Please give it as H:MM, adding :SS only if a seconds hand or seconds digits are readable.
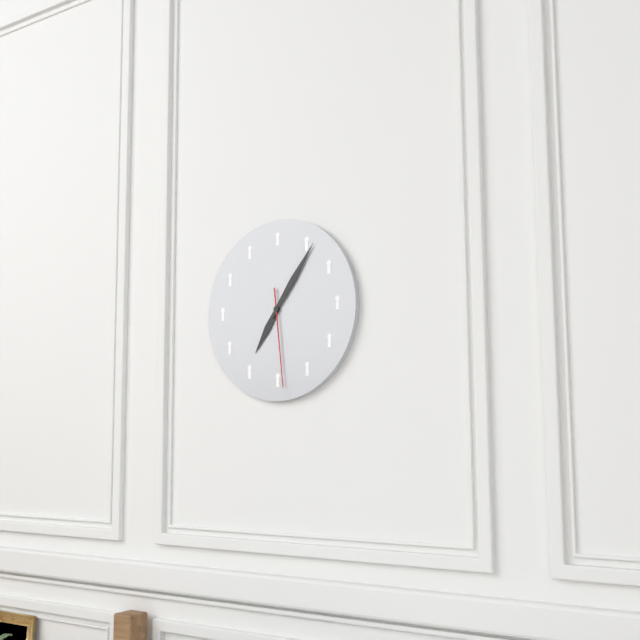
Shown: 7:06:29
